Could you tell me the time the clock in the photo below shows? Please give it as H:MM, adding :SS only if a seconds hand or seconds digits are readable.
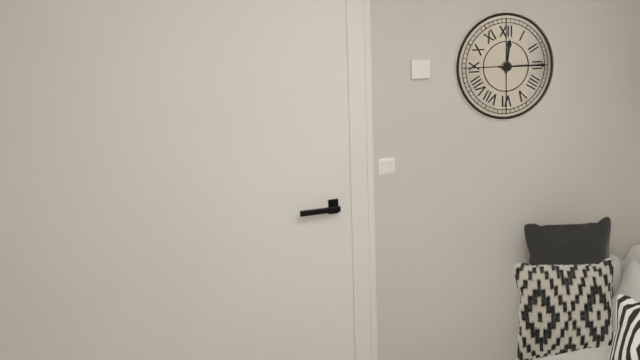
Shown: 12:15
